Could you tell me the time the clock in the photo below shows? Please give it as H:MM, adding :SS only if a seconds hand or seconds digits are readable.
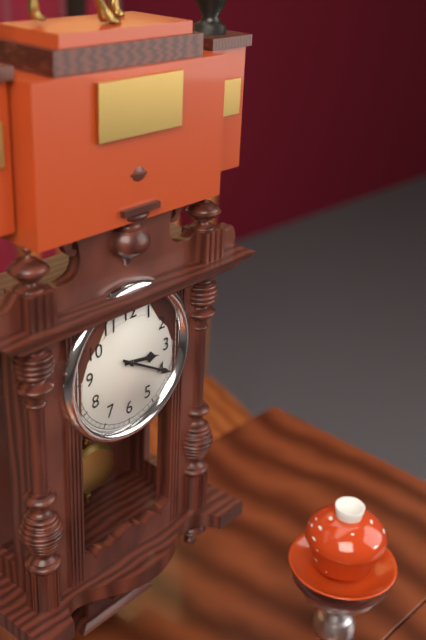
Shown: 3:20
